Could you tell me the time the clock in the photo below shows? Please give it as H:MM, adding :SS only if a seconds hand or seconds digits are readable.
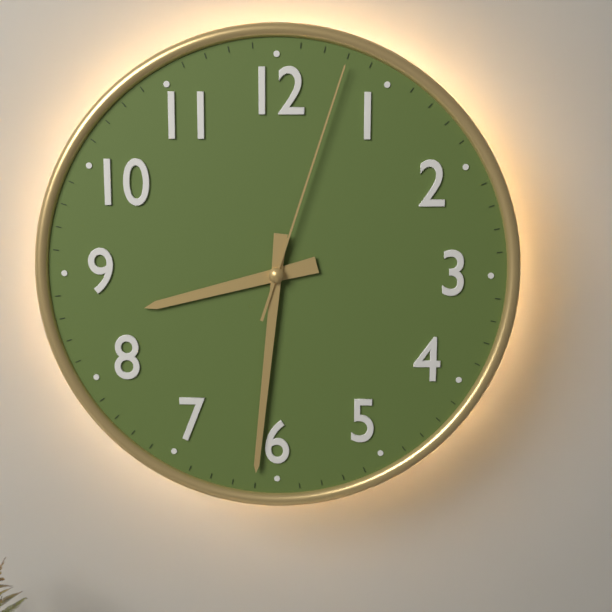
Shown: 8:31:03
